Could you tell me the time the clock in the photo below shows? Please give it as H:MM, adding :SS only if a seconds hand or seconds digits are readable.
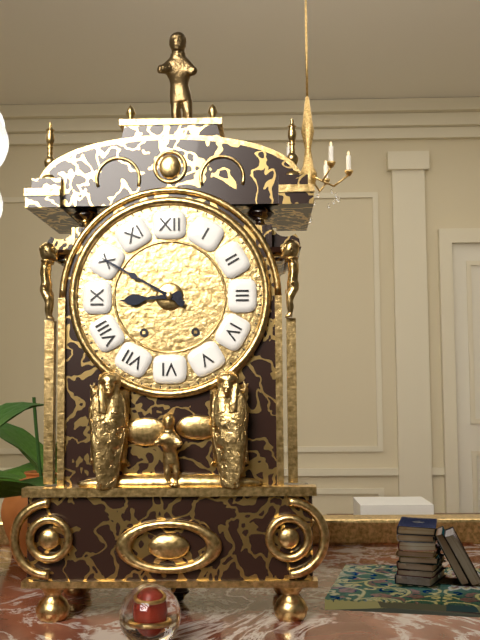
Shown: 8:50
